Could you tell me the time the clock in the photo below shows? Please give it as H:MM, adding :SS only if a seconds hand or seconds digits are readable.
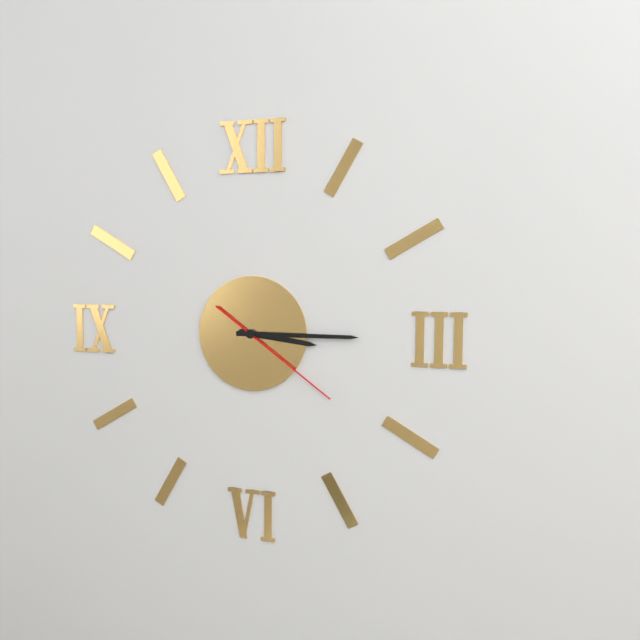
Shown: 3:15:21
